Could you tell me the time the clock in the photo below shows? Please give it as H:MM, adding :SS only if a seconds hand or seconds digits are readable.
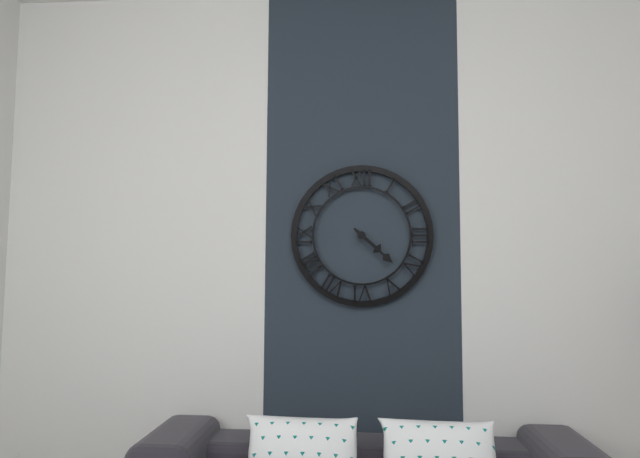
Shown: 4:22
